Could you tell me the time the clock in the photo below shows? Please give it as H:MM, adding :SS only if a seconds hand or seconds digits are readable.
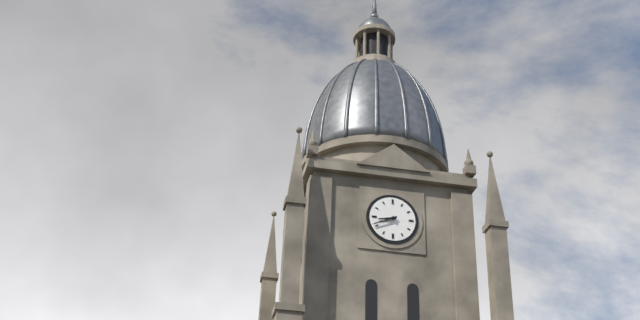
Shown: 8:41
